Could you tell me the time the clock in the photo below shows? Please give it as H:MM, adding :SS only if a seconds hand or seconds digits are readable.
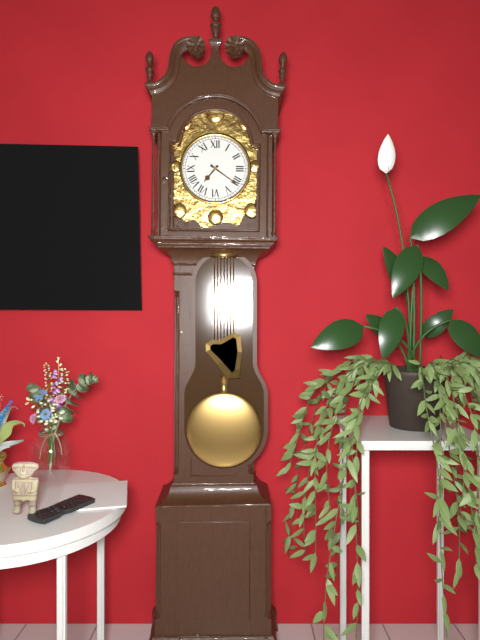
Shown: 7:21
